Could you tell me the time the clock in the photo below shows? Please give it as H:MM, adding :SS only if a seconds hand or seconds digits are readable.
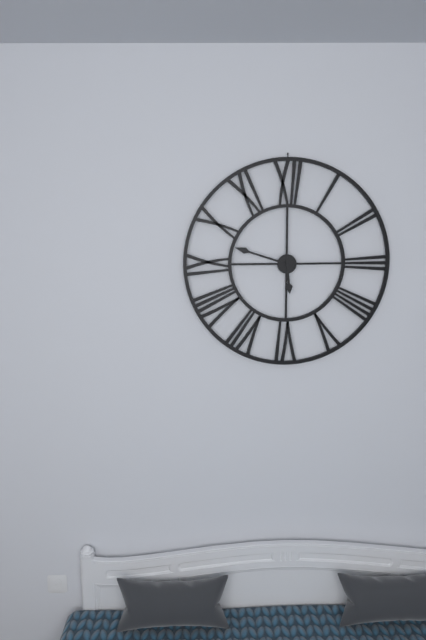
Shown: 5:48
